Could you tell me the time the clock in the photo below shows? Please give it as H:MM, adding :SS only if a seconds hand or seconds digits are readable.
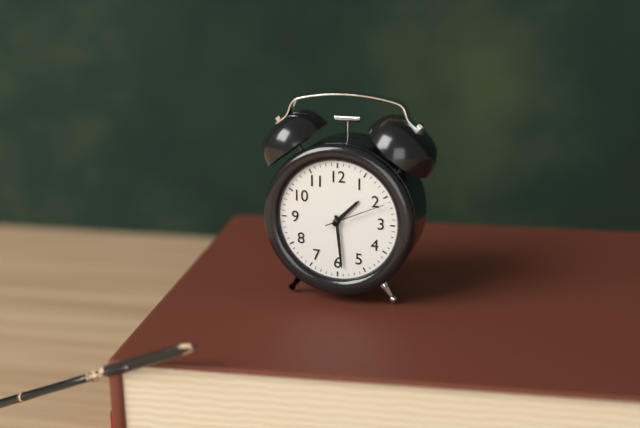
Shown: 1:29:11
